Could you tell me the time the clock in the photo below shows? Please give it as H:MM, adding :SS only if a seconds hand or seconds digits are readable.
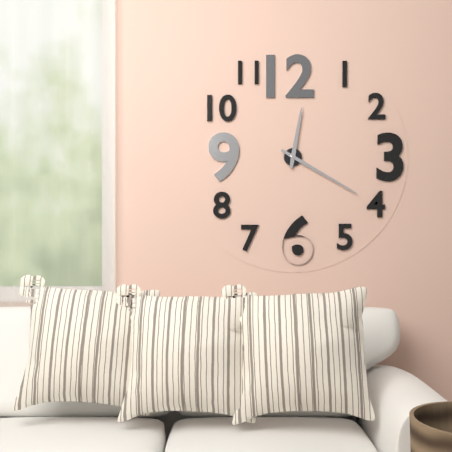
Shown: 12:20
